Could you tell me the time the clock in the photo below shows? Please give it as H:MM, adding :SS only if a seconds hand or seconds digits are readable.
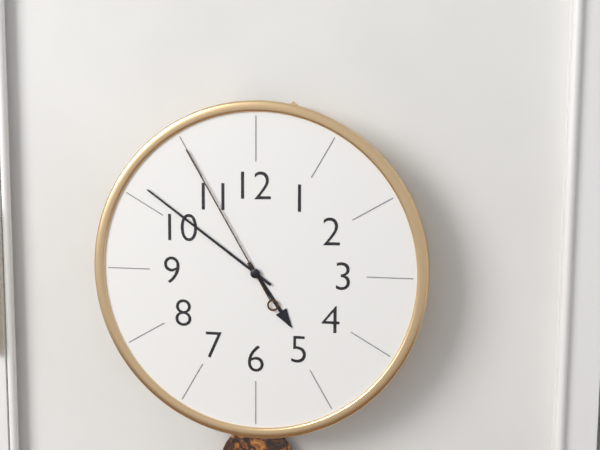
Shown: 4:51:55
